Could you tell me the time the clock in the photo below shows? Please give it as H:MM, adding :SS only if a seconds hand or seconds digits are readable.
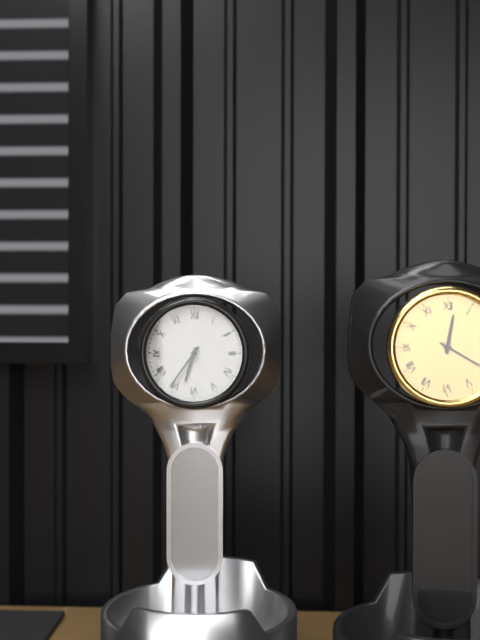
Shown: 6:36
